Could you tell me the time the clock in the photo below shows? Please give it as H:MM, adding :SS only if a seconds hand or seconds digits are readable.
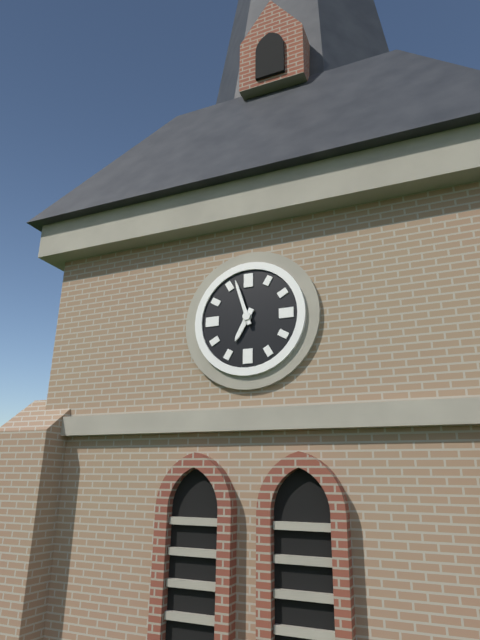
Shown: 6:57
